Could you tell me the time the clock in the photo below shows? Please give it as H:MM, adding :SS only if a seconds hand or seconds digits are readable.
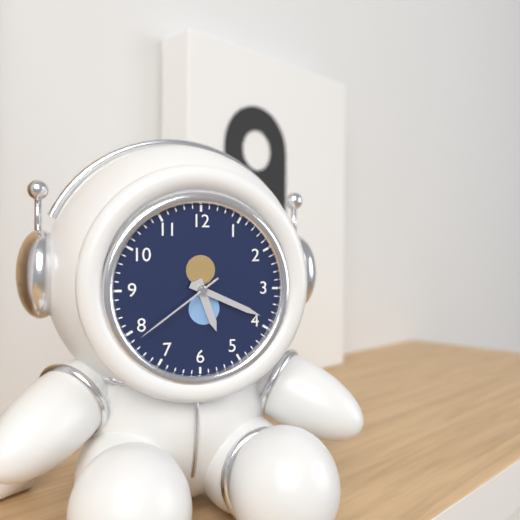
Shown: 5:19:39
